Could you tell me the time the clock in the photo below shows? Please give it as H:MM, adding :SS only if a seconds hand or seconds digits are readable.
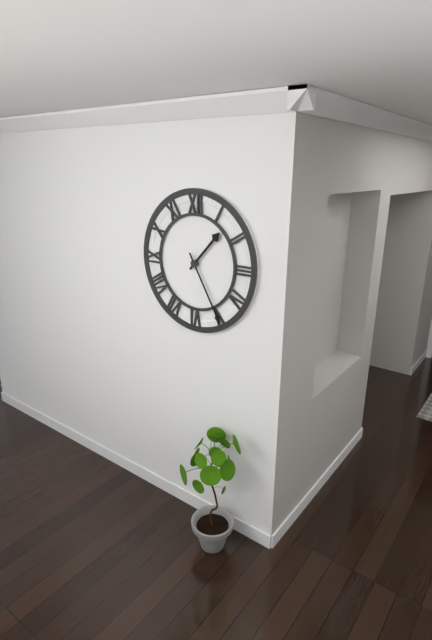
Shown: 1:25
